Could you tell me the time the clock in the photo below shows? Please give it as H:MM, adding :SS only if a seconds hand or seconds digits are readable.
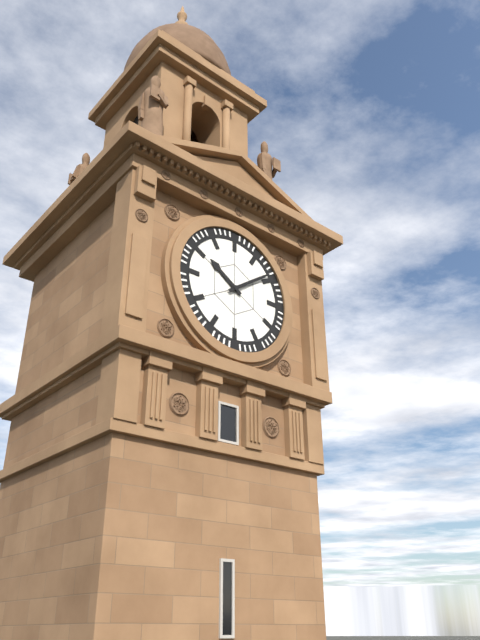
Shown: 10:09
